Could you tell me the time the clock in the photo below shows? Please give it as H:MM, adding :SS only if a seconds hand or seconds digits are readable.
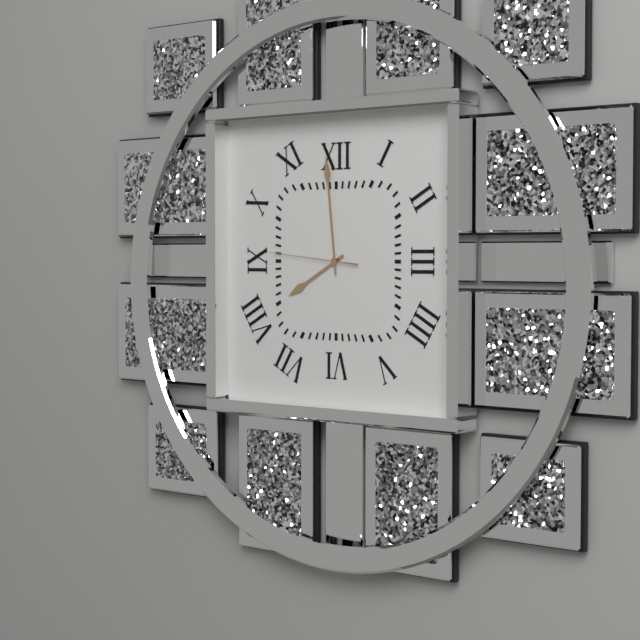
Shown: 7:59:46
